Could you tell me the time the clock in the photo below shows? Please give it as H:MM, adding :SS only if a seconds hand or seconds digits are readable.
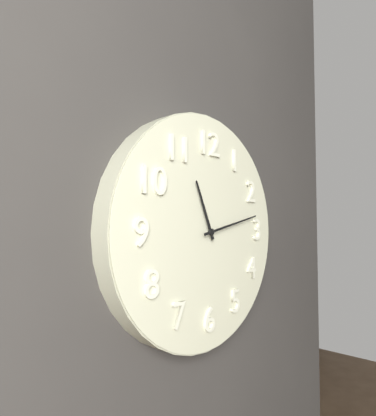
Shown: 11:13
